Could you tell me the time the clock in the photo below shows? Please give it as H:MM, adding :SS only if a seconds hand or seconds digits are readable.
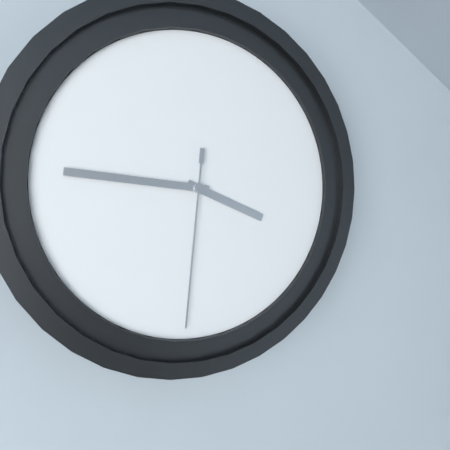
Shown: 3:46:31
